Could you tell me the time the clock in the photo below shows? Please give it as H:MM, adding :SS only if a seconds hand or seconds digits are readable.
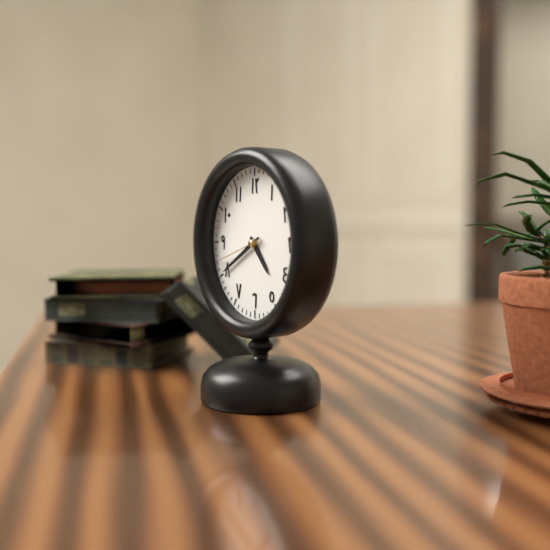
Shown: 4:40
